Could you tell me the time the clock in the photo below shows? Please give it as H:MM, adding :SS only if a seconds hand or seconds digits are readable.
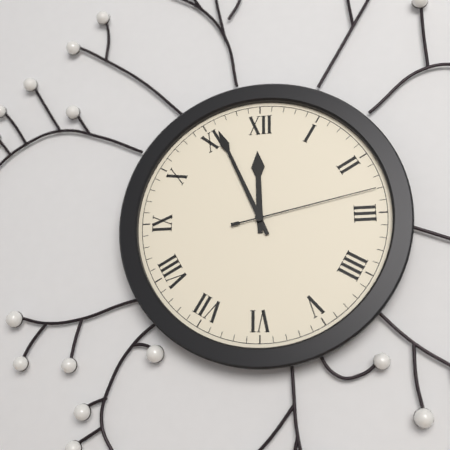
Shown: 11:56:13
